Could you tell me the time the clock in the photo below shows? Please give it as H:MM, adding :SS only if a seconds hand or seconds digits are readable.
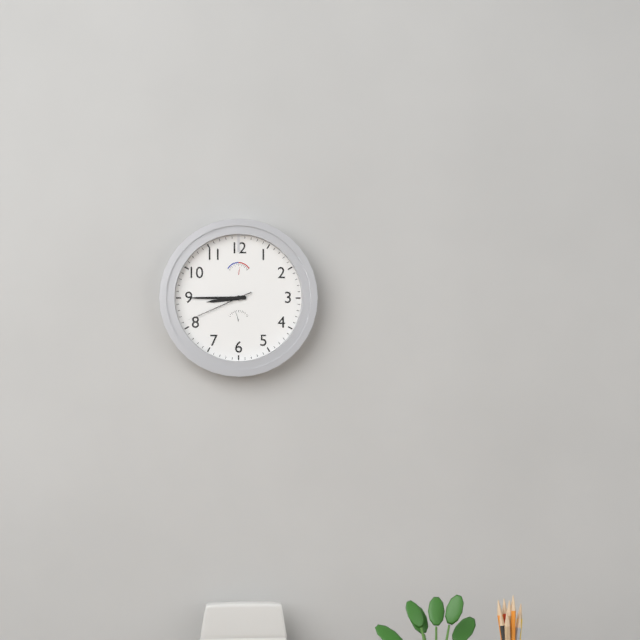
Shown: 8:45:41
